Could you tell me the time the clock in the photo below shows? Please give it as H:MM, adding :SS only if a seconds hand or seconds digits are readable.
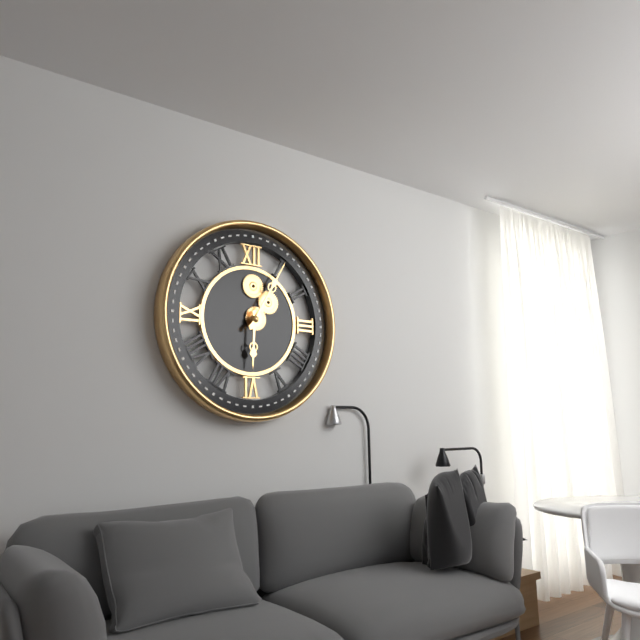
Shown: 6:05
